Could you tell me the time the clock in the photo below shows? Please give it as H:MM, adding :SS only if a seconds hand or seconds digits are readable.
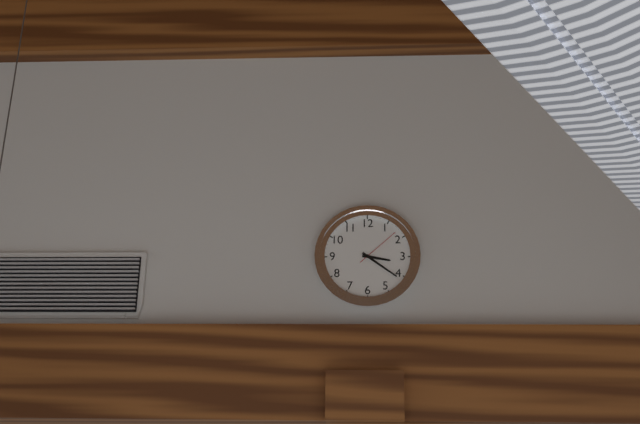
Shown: 3:21
